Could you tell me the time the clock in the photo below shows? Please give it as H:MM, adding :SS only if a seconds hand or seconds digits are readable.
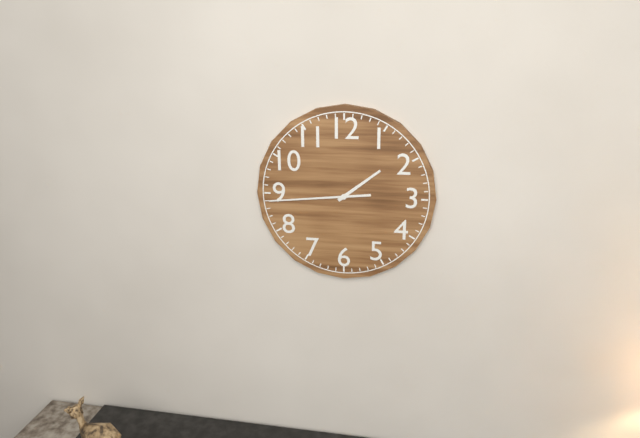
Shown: 1:44
